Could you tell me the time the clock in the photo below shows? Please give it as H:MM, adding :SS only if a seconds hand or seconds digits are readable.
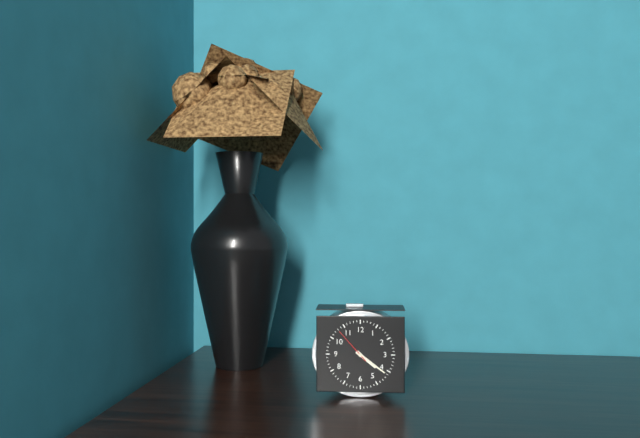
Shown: 4:21
